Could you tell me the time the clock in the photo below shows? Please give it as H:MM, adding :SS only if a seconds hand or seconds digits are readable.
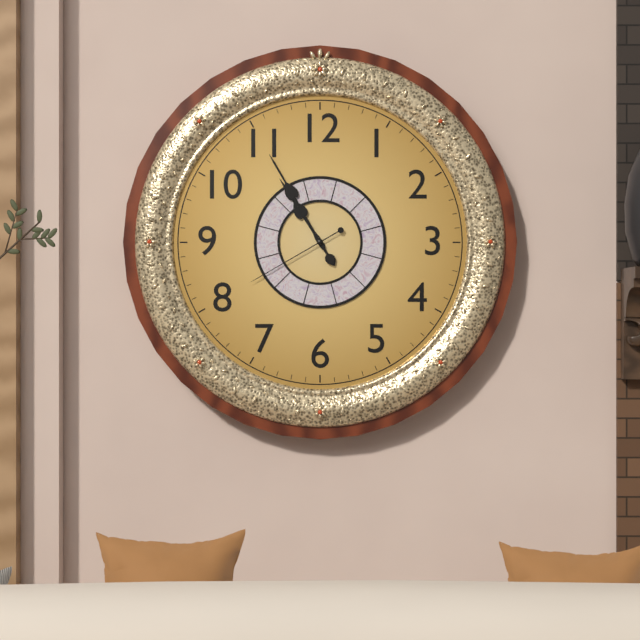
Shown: 10:55:40
